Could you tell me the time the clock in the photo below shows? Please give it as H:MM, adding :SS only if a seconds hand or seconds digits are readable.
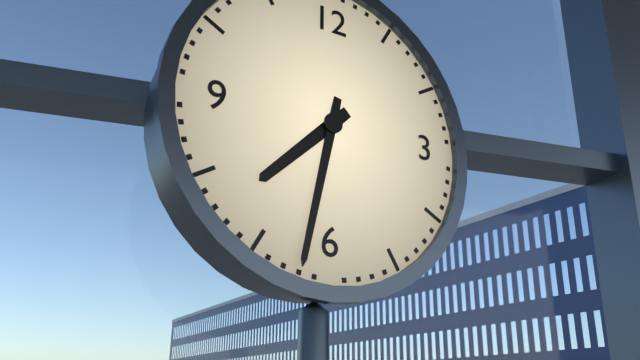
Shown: 7:32
